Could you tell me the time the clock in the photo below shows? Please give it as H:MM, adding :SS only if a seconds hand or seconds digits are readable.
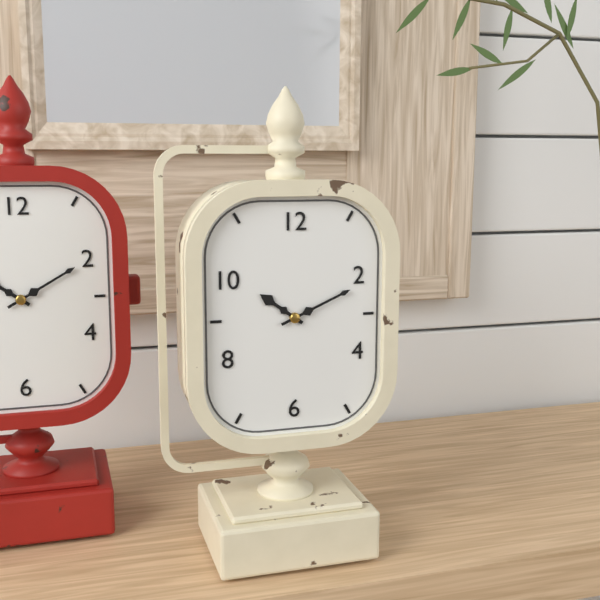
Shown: 10:11
